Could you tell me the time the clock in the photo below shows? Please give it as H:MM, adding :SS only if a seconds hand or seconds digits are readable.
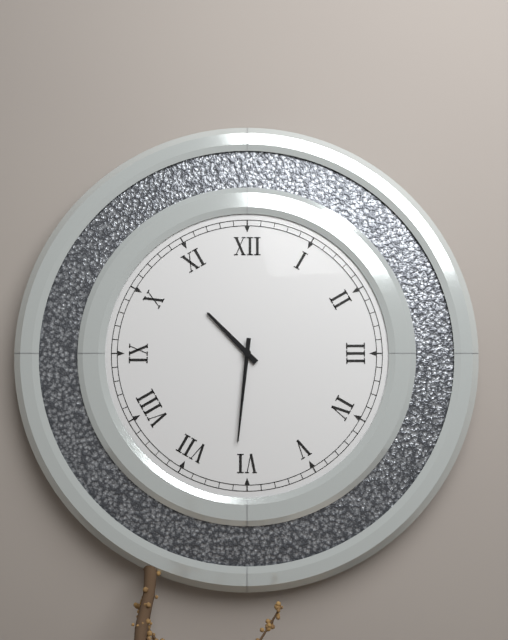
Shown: 10:31
